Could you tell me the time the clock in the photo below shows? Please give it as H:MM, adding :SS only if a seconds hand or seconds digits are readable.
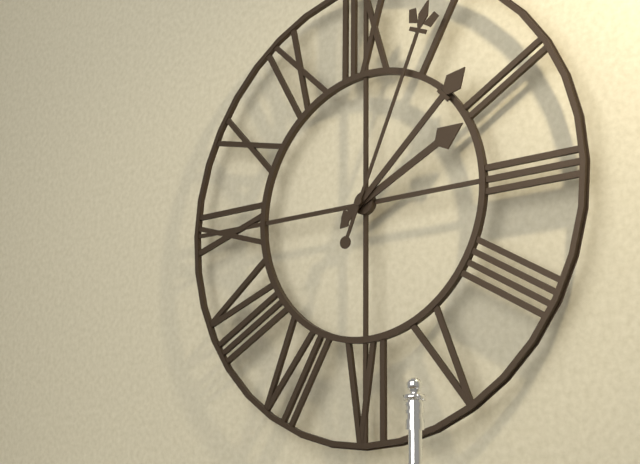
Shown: 2:08
